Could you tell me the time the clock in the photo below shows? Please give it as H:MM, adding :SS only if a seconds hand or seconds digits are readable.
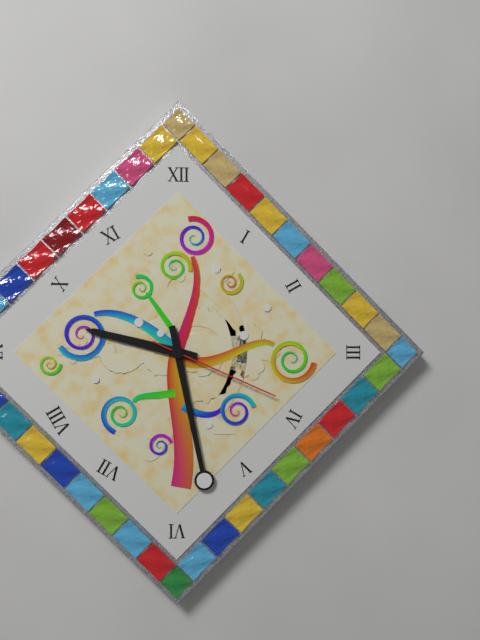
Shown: 9:28:19
